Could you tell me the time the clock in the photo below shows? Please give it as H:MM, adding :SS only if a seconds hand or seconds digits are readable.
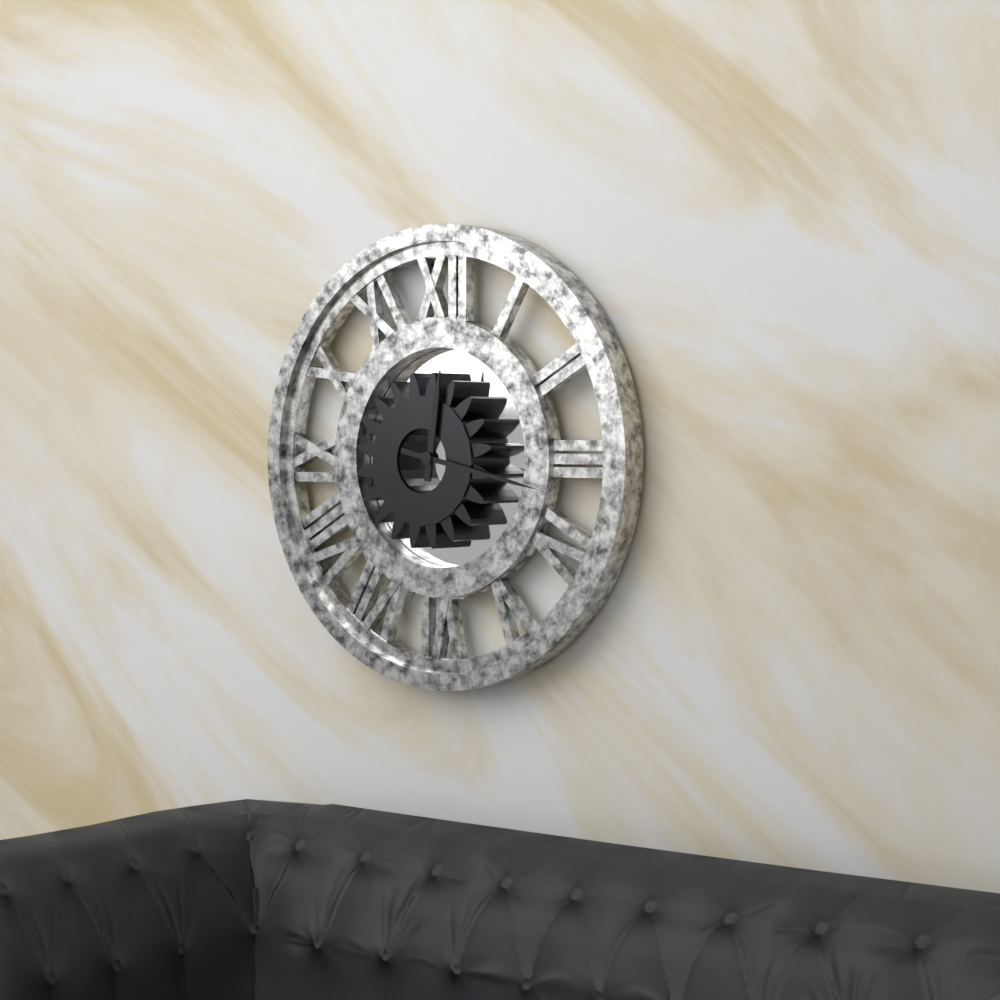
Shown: 12:17
